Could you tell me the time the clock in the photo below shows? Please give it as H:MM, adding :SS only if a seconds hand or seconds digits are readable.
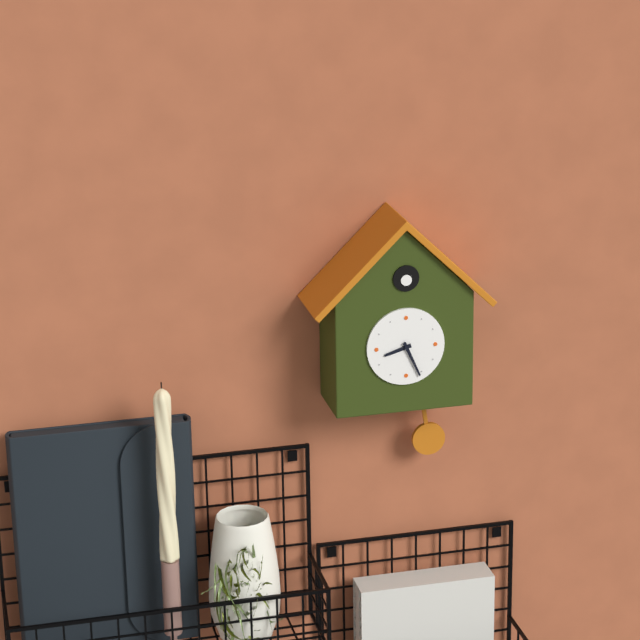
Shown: 8:26
